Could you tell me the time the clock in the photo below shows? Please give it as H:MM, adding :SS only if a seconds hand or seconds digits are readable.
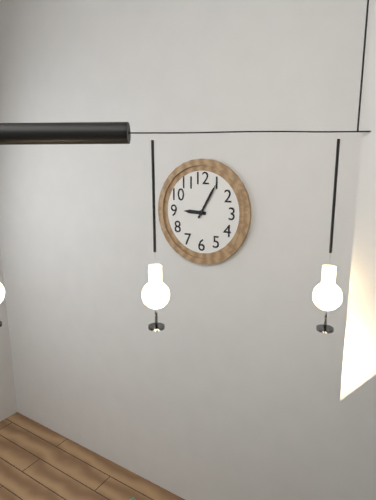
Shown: 9:05
